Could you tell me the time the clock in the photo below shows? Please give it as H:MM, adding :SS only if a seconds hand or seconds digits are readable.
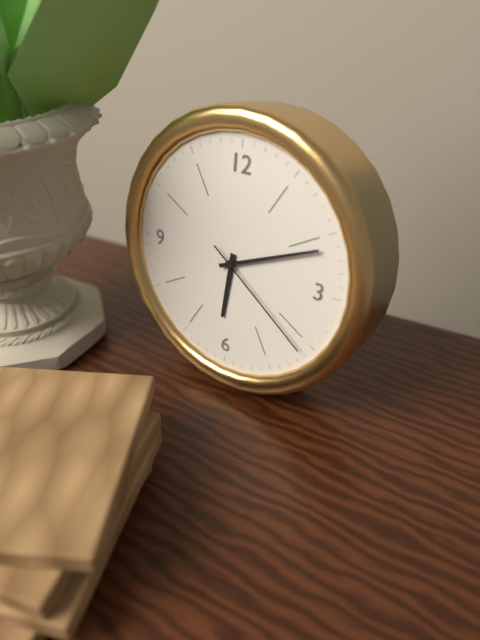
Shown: 6:11:21
